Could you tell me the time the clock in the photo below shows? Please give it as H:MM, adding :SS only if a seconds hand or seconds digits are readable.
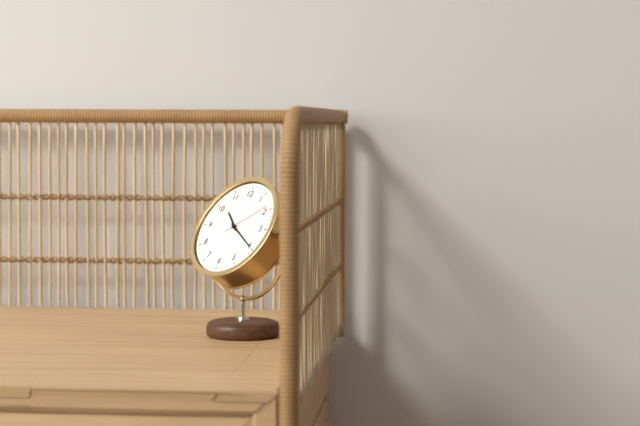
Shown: 10:20
